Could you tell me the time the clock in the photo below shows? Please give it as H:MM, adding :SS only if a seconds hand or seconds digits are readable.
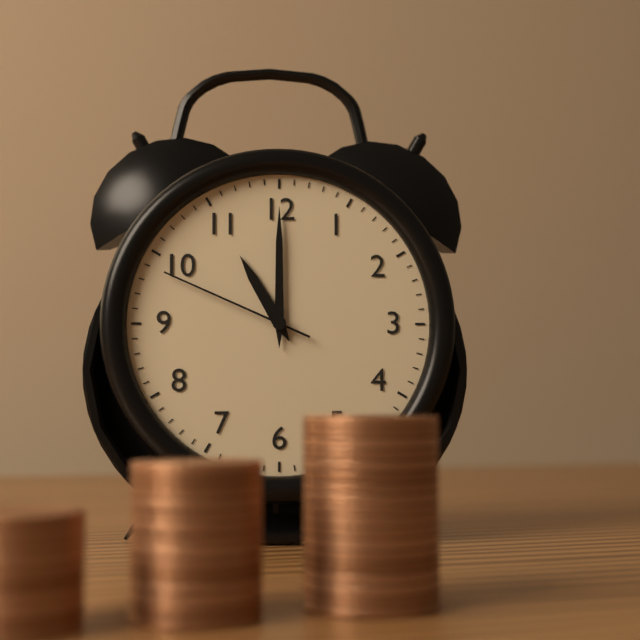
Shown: 11:00:49
